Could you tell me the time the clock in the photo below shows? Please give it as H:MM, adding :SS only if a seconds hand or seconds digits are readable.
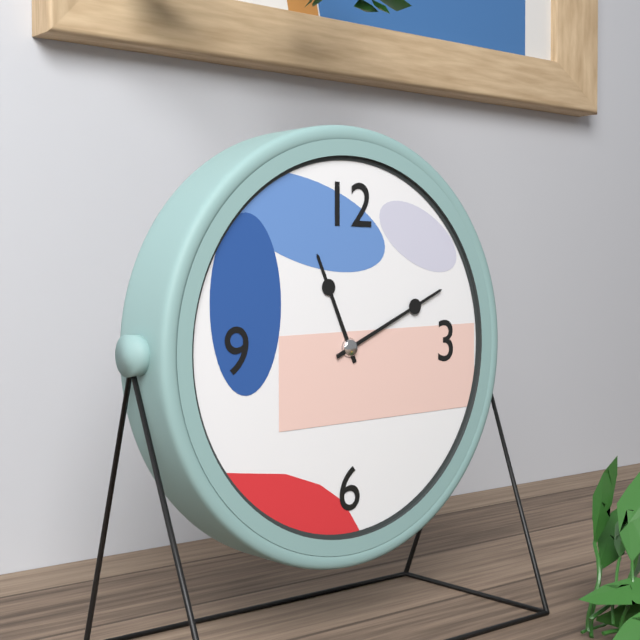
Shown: 11:11
